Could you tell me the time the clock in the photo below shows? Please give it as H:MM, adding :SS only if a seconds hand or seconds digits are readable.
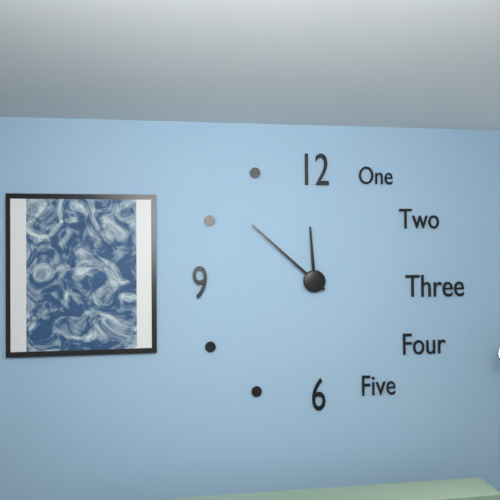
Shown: 11:52
